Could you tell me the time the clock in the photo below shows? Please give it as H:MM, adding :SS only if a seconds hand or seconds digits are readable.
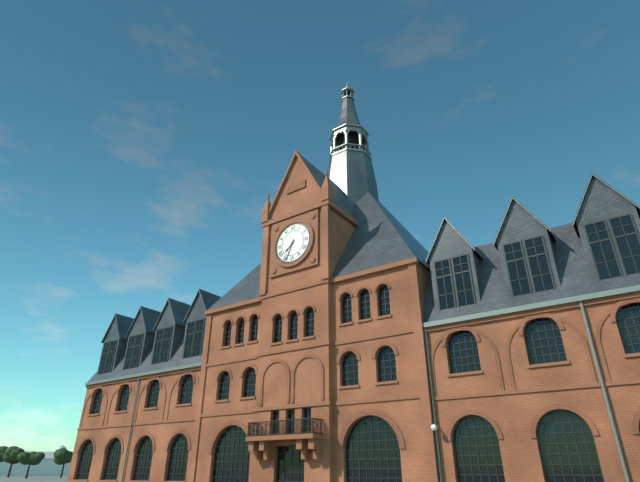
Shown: 7:34
